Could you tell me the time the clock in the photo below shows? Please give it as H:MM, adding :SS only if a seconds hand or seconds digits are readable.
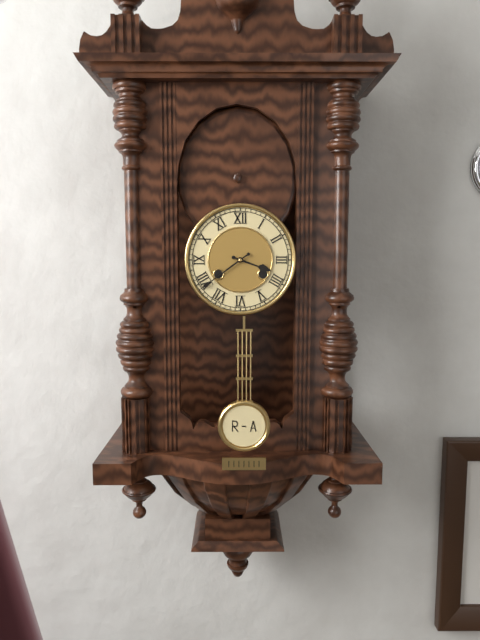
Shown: 3:39
